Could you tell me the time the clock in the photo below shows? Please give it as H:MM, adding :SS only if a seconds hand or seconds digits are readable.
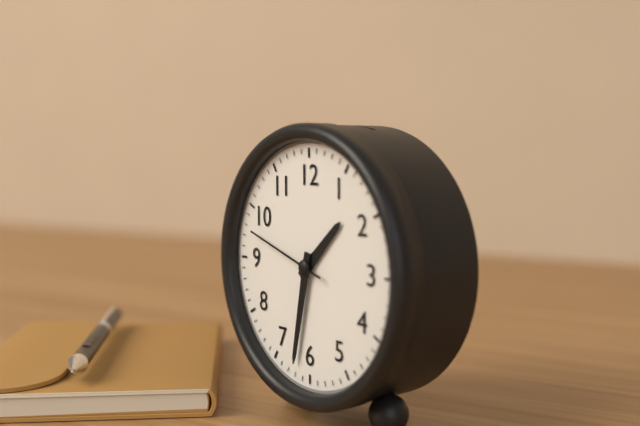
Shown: 1:32:48
